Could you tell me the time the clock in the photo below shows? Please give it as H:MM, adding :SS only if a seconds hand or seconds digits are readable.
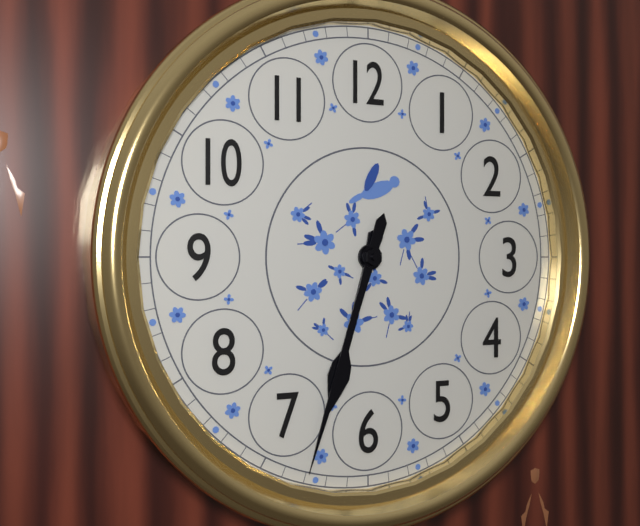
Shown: 6:33
